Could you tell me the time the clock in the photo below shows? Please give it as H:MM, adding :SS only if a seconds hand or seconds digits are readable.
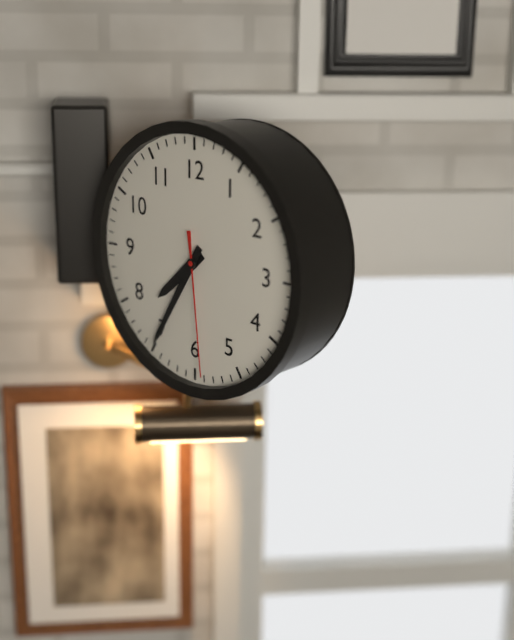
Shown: 7:35:29
